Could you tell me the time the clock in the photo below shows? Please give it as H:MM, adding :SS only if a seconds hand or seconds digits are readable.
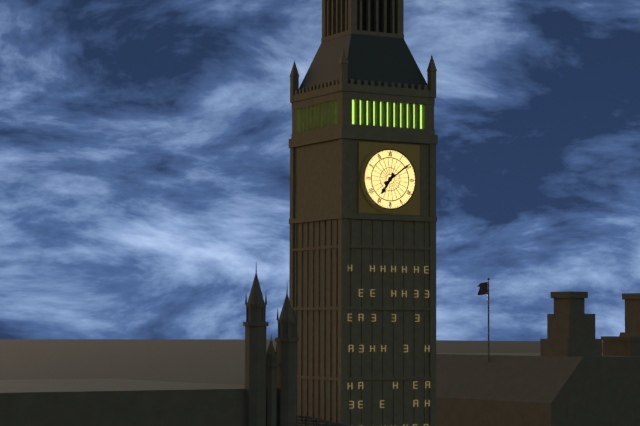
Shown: 7:09
